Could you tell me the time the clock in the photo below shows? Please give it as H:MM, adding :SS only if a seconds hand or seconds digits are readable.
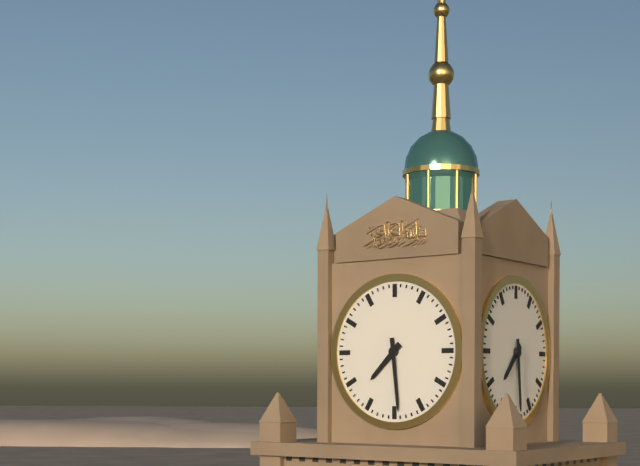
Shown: 7:29
